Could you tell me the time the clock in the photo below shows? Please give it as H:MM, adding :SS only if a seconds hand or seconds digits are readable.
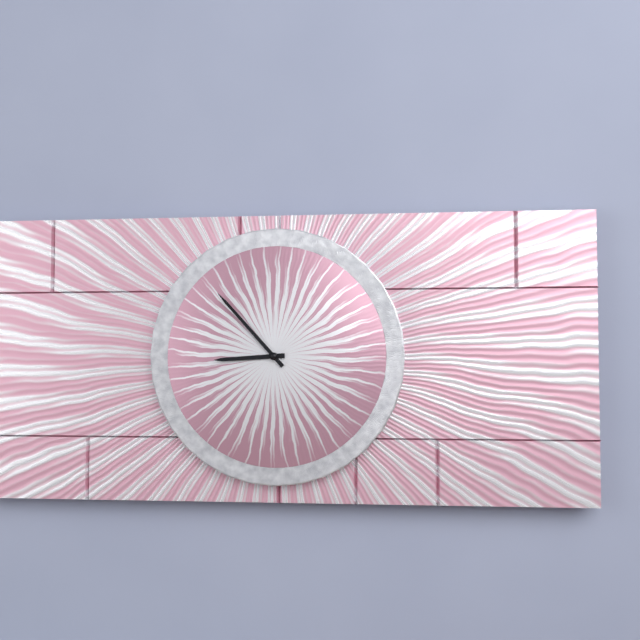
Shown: 8:53
